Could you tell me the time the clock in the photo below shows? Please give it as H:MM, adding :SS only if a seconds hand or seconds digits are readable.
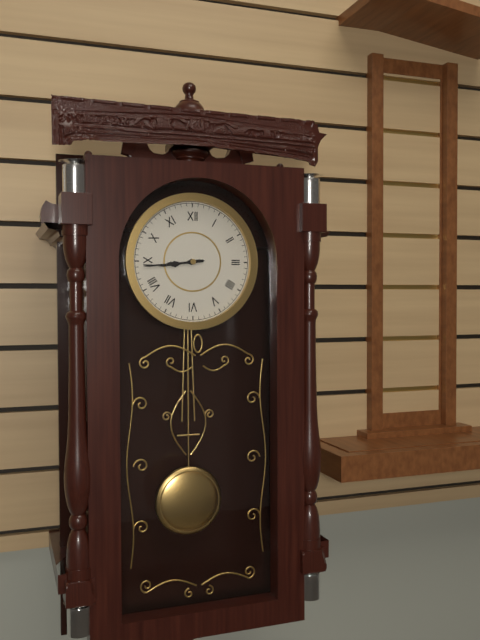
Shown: 8:44
